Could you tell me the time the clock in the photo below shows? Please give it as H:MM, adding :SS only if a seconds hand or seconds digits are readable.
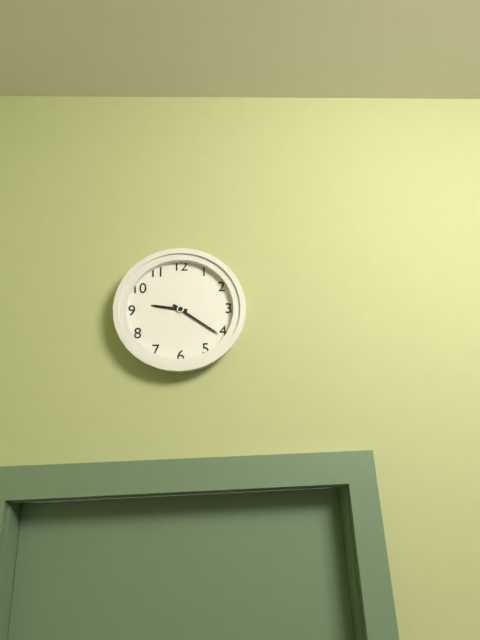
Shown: 9:21
